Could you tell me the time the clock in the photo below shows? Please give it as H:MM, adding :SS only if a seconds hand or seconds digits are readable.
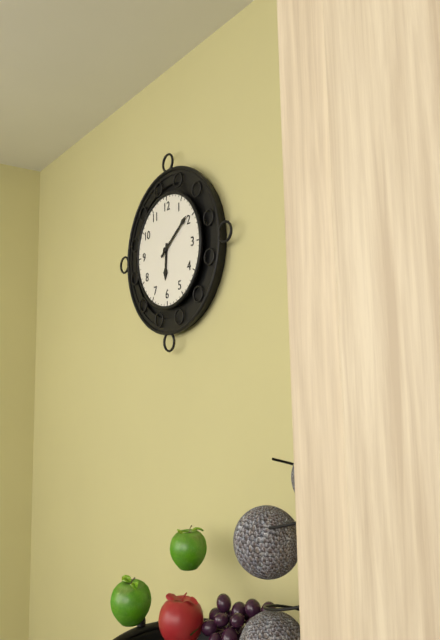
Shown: 6:09
